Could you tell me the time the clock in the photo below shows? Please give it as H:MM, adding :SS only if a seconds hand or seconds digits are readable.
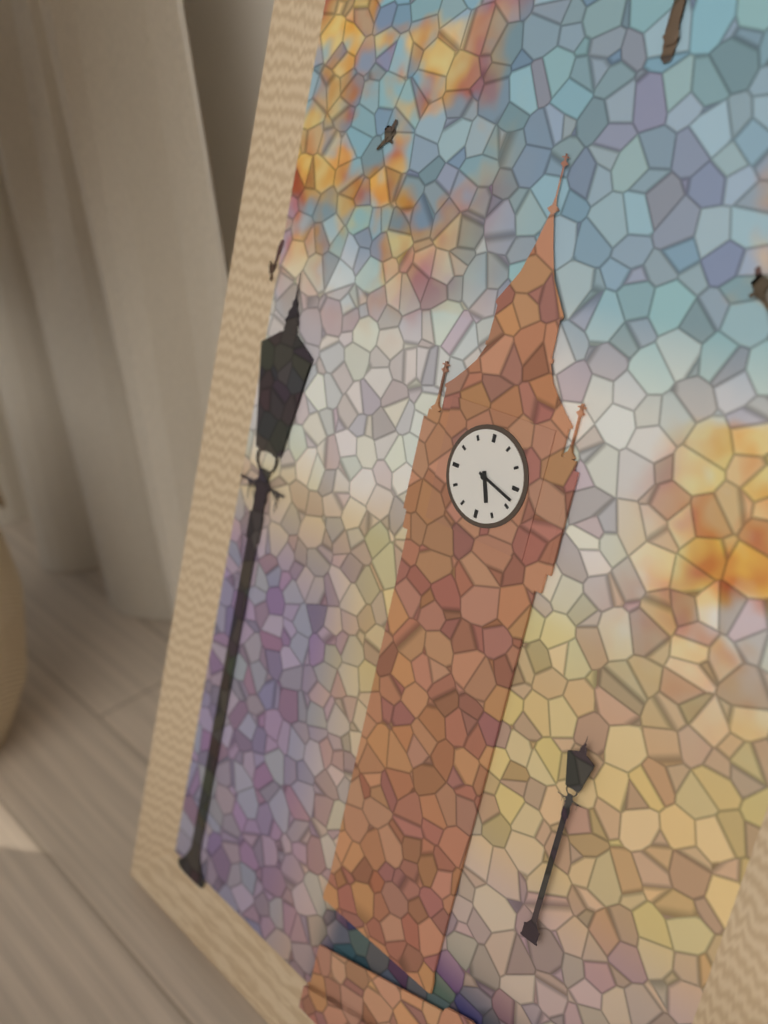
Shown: 5:18
